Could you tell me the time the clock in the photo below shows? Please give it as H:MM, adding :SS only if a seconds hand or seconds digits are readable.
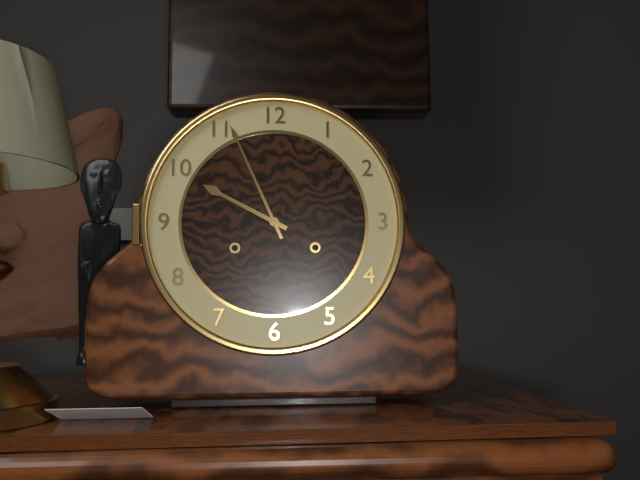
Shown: 9:56
